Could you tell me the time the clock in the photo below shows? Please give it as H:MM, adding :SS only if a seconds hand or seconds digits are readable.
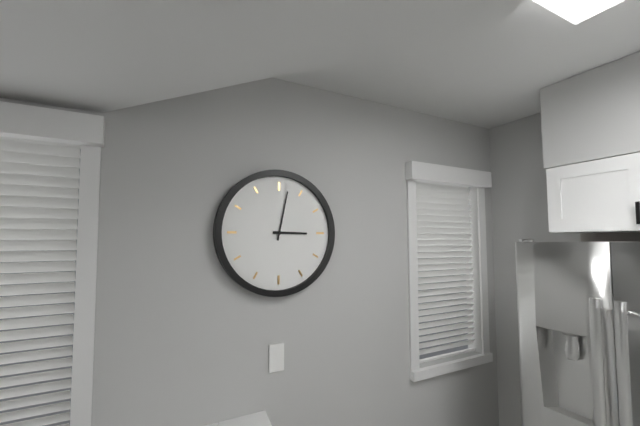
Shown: 3:02
